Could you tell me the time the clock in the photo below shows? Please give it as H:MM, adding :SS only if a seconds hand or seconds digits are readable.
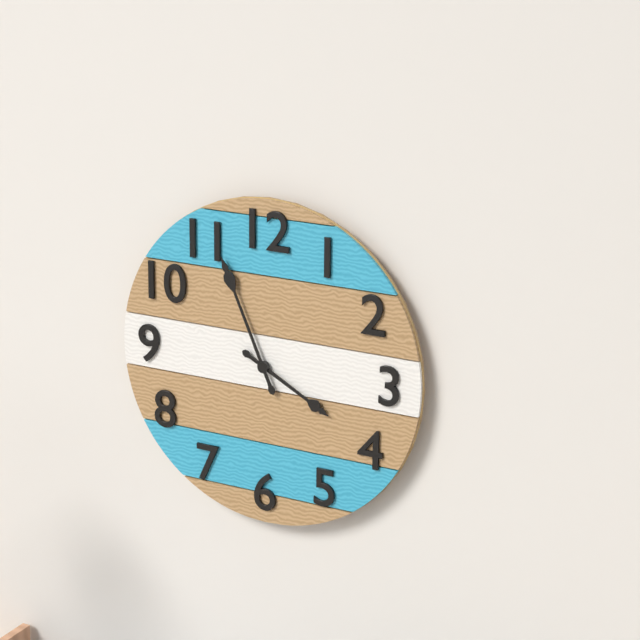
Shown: 3:56
